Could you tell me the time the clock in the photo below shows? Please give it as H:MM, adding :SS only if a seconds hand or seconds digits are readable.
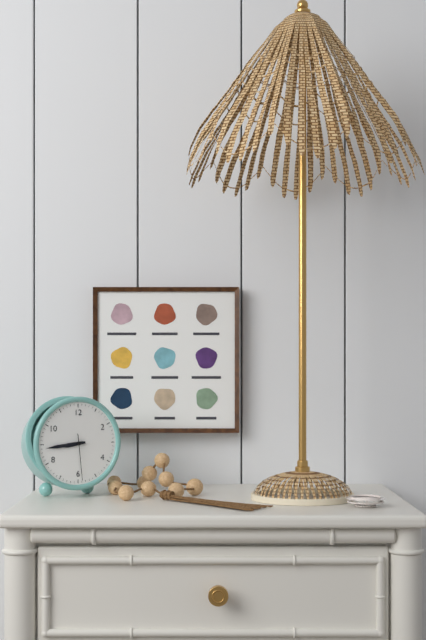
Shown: 8:44
